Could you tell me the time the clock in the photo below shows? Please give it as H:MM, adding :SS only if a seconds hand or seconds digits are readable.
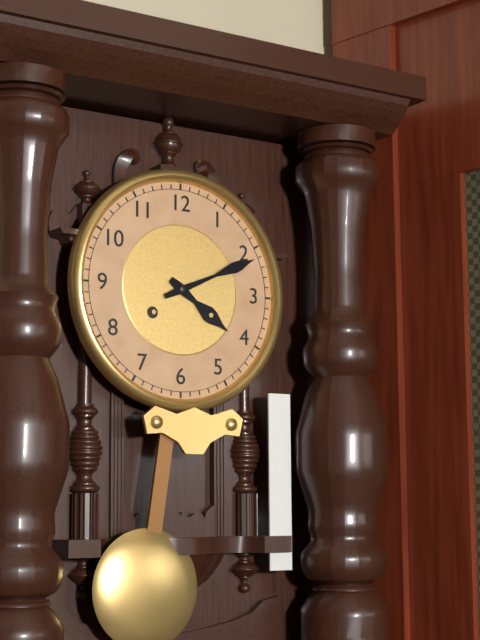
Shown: 4:11
